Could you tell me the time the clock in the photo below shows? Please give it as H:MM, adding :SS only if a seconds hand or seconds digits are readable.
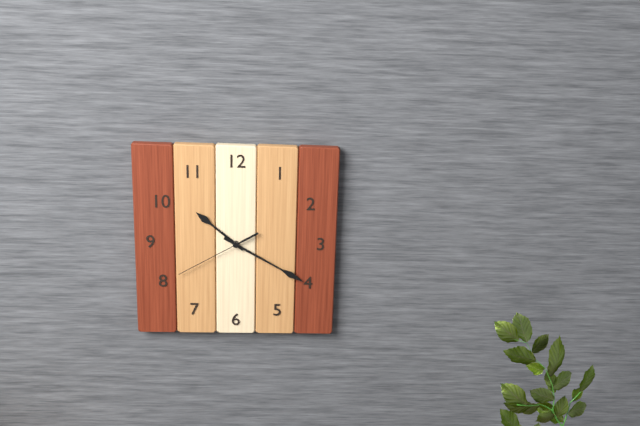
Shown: 10:20:40
